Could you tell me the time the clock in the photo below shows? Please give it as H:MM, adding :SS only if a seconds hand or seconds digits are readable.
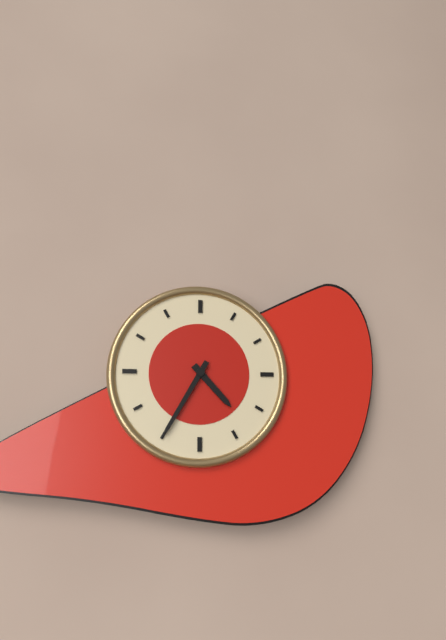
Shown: 4:35
